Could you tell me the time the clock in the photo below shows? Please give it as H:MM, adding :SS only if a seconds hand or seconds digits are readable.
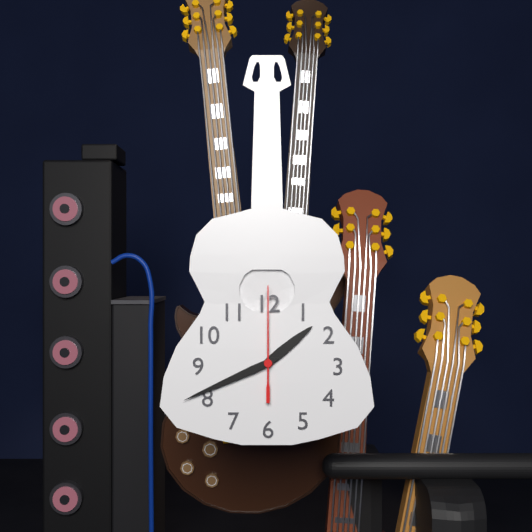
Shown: 1:41:00
